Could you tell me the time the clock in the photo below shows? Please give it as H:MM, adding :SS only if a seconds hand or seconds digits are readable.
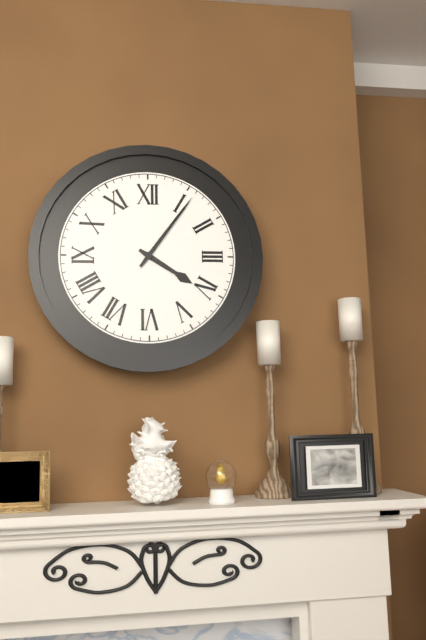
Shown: 4:06
